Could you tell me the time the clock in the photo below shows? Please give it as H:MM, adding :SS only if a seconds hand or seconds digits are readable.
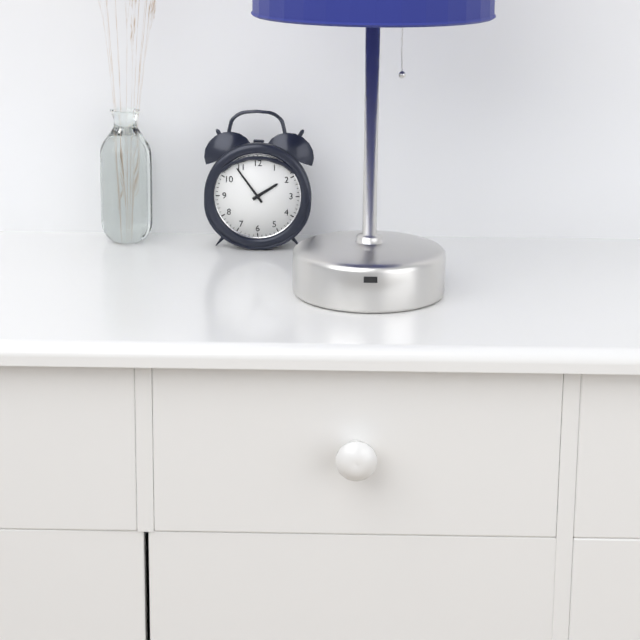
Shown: 1:54
